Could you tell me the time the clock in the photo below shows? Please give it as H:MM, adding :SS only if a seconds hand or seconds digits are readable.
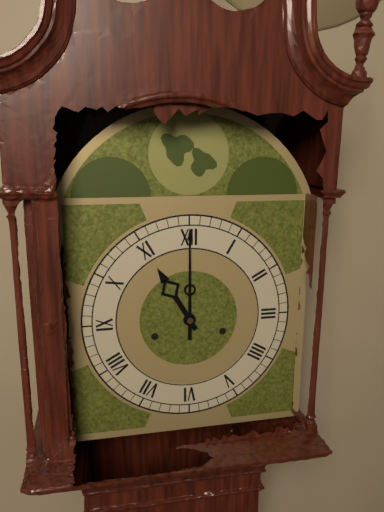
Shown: 11:00
